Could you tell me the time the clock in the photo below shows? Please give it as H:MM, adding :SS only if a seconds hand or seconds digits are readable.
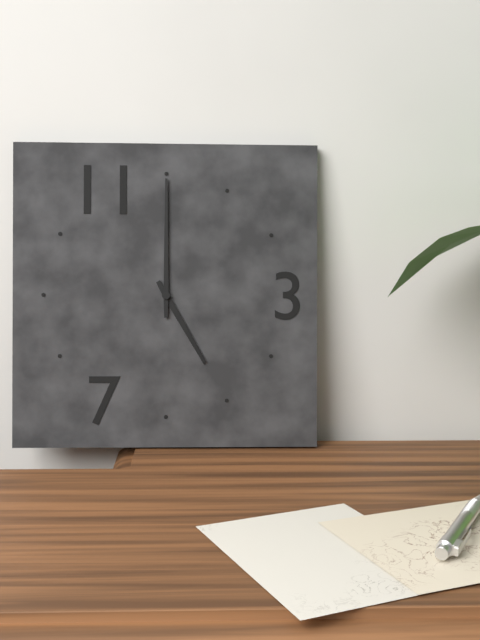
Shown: 5:00
